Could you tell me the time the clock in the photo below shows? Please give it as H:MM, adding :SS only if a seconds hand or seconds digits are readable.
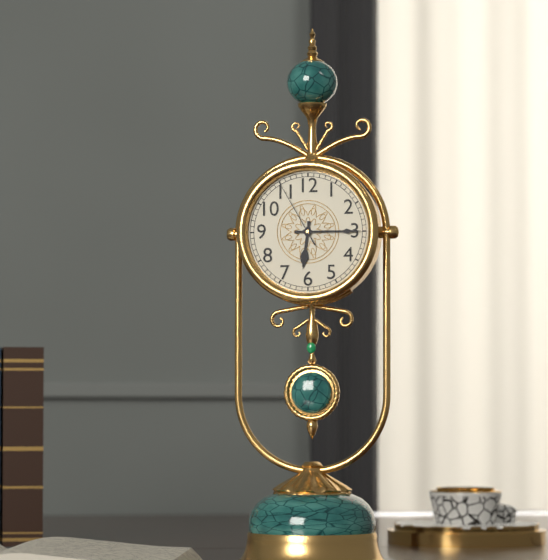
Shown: 6:15:55
